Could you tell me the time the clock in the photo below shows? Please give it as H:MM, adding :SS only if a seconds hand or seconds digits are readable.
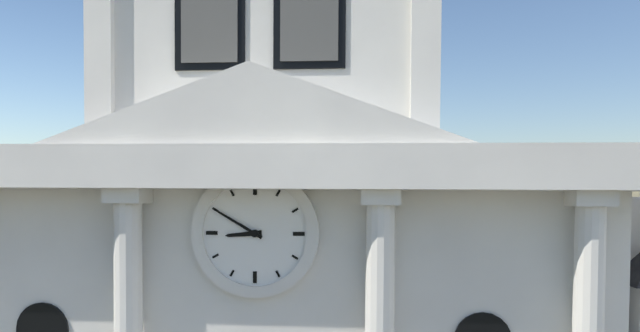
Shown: 8:50
